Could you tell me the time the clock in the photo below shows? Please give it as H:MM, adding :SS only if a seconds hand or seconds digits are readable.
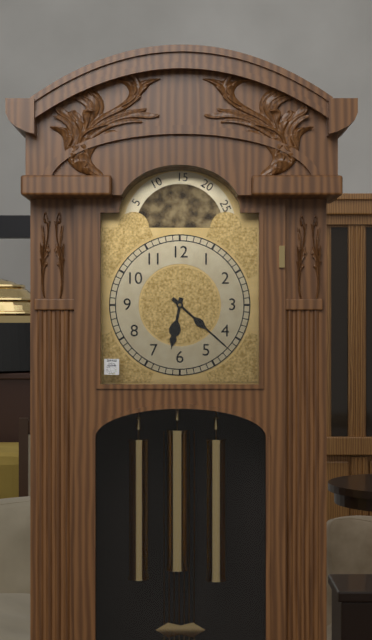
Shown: 6:22
